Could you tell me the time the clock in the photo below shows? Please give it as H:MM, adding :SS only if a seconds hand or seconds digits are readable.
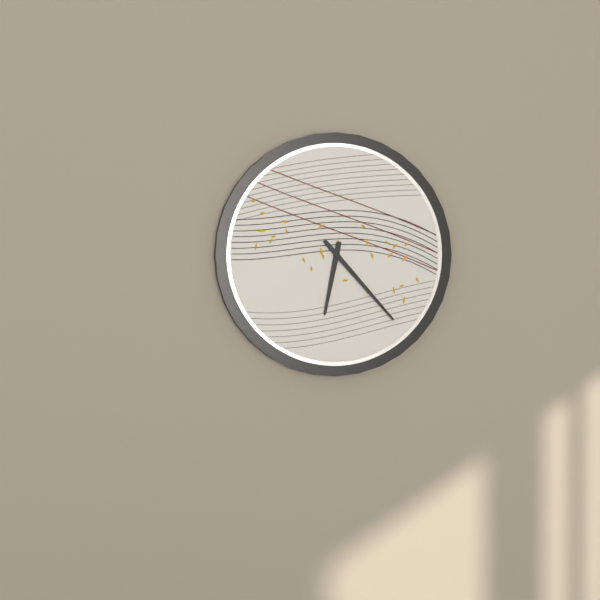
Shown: 6:23
